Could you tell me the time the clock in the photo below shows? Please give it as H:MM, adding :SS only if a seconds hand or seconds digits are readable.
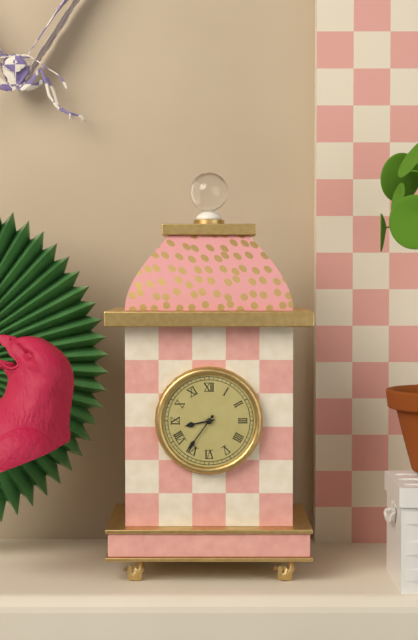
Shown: 8:36
